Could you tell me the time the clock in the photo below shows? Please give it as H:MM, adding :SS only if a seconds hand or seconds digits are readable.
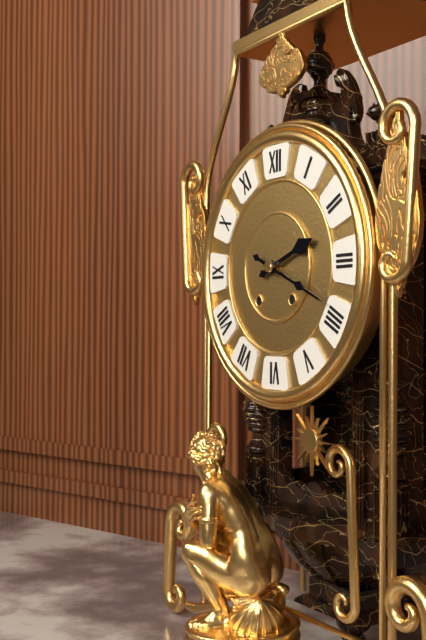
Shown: 2:19
